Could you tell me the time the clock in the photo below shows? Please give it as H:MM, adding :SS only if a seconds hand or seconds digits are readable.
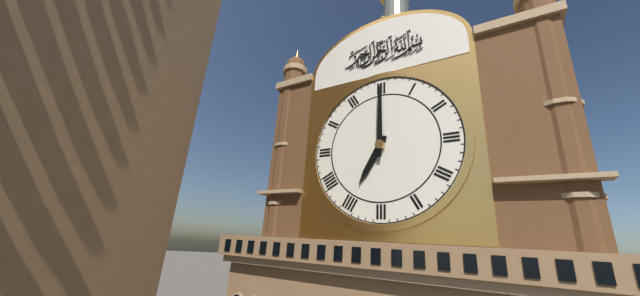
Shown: 7:00
